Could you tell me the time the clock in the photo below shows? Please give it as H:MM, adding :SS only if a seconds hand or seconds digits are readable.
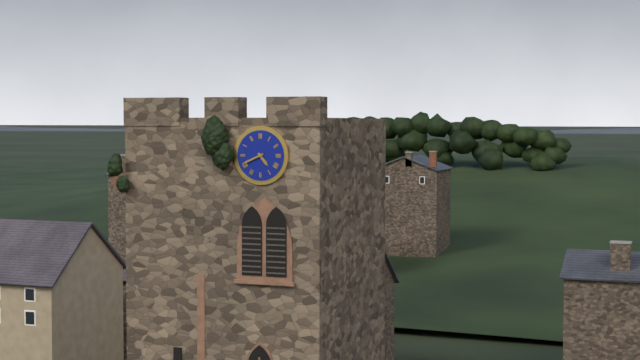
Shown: 4:41
